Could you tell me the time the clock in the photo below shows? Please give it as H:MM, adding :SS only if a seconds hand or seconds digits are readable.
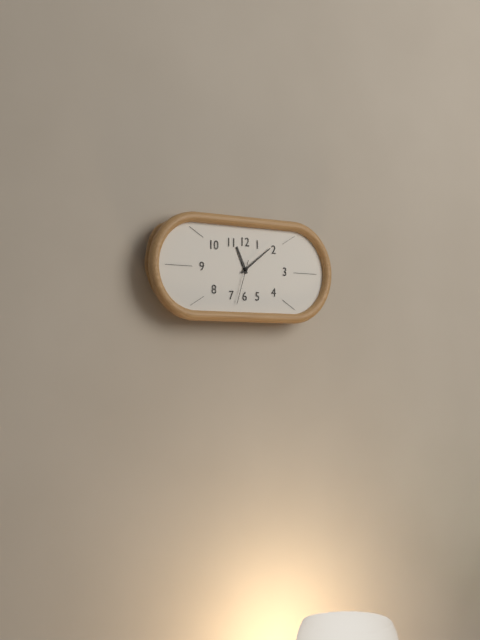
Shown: 11:09
